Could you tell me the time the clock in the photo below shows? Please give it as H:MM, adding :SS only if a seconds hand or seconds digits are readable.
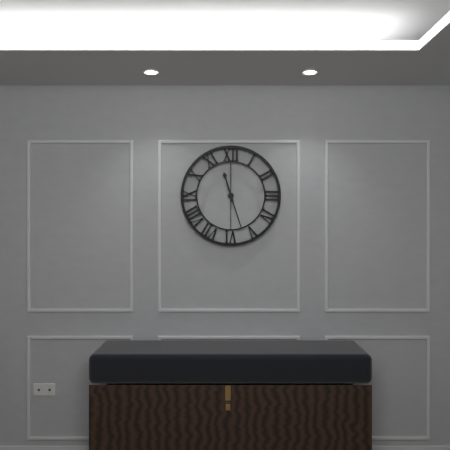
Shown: 11:27
